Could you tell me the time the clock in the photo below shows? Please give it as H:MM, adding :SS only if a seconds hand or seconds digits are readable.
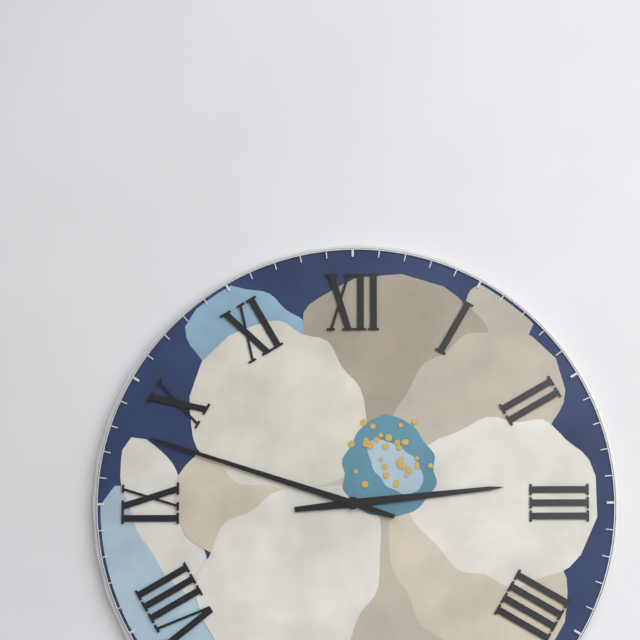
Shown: 2:48
